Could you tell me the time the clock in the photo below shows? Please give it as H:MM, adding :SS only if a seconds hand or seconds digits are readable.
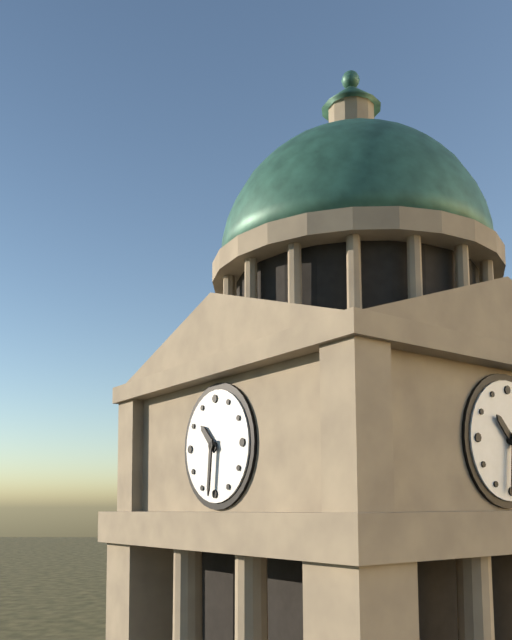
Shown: 10:31
